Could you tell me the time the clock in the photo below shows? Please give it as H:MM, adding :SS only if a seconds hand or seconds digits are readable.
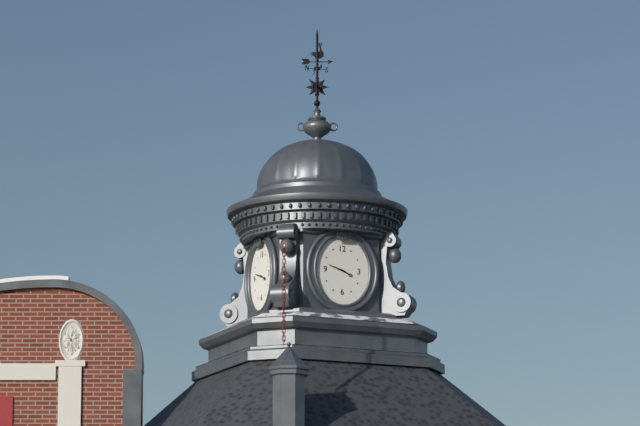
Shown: 3:48
